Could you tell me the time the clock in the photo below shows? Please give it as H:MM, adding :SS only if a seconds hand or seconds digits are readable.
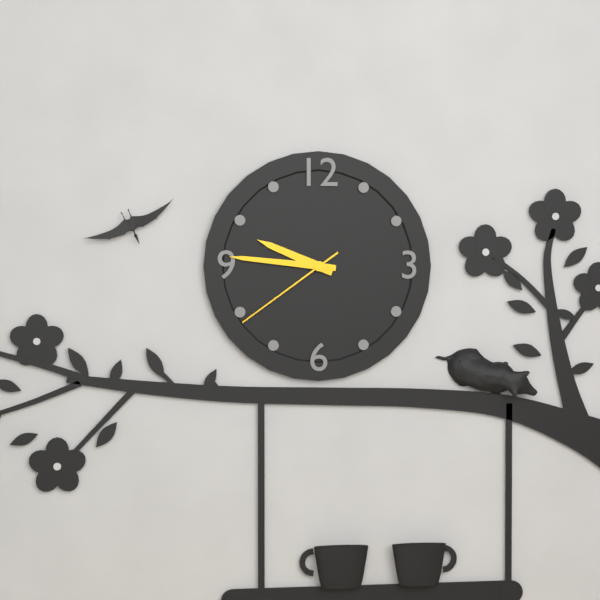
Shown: 9:46:39
